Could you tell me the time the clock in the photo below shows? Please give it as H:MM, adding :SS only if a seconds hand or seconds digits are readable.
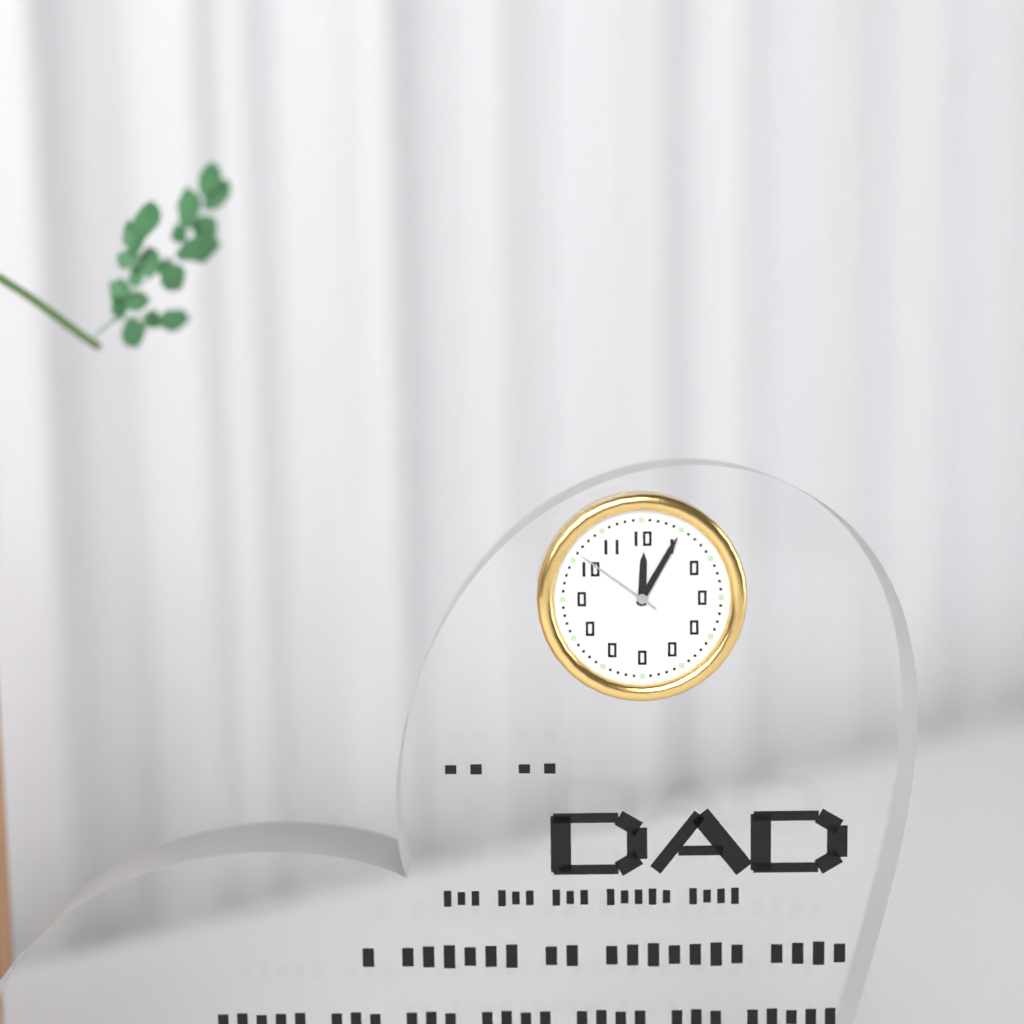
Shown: 12:05:51
